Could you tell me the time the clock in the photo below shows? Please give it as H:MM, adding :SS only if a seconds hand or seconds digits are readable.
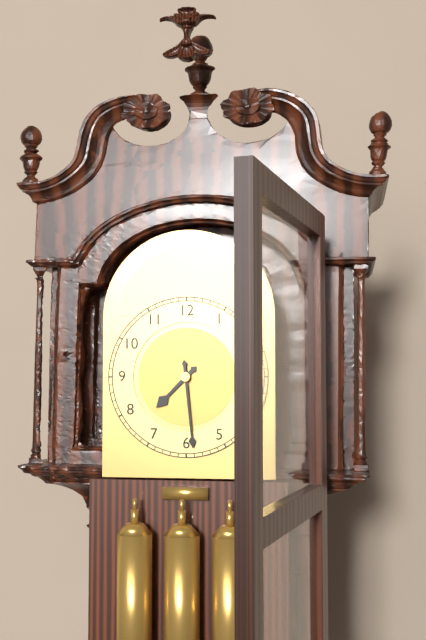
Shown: 7:29
